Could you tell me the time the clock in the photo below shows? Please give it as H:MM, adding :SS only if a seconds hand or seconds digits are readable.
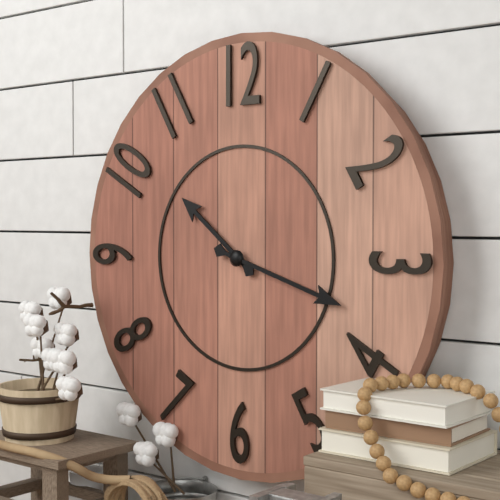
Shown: 10:18
